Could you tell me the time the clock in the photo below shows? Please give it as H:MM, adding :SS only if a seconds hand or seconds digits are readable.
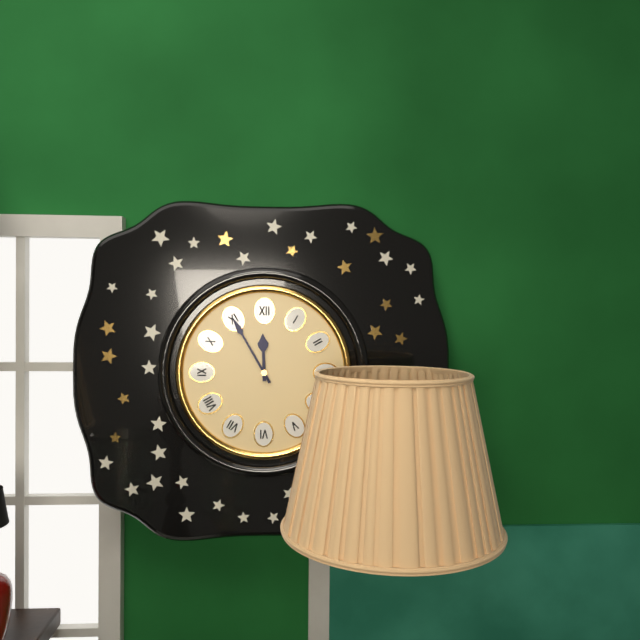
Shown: 11:55
